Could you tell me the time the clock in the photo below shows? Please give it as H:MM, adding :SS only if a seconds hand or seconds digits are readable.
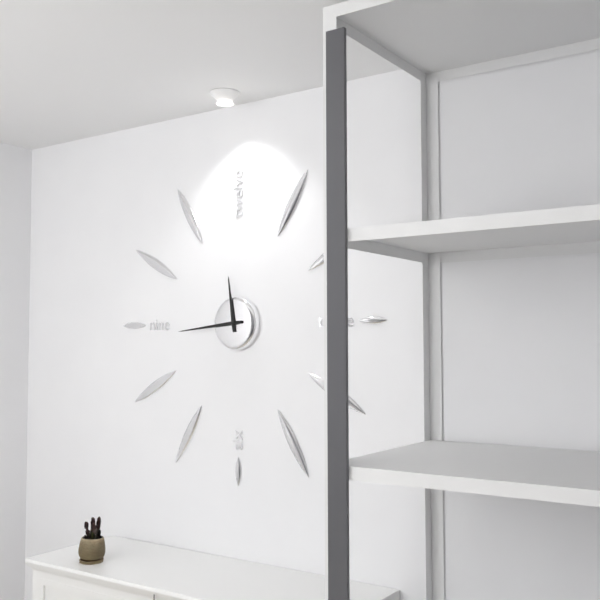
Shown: 11:44
